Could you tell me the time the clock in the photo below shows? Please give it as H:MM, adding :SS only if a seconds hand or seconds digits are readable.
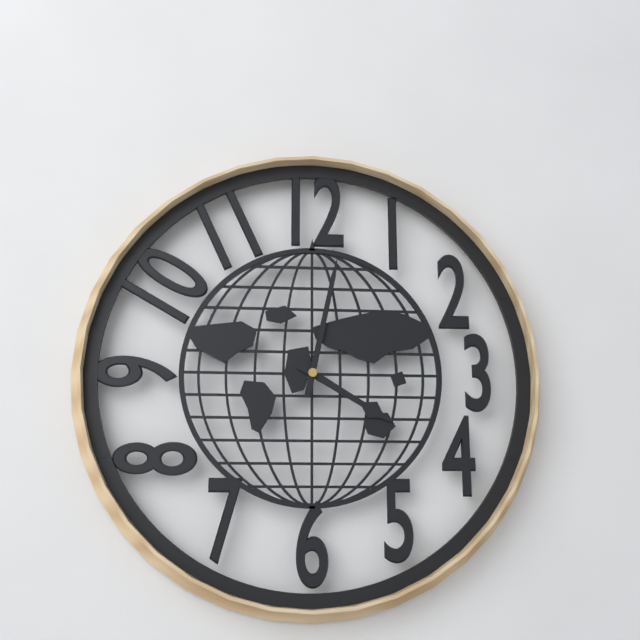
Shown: 4:02
